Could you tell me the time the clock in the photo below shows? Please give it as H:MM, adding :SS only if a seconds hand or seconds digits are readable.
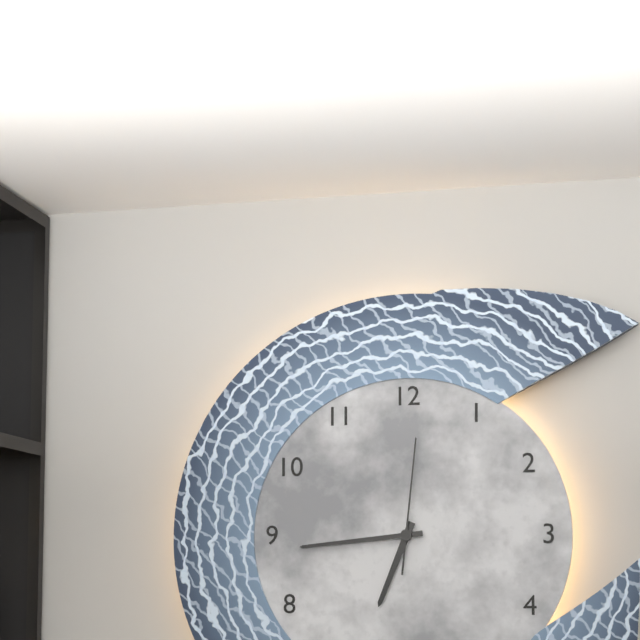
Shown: 6:44:01
